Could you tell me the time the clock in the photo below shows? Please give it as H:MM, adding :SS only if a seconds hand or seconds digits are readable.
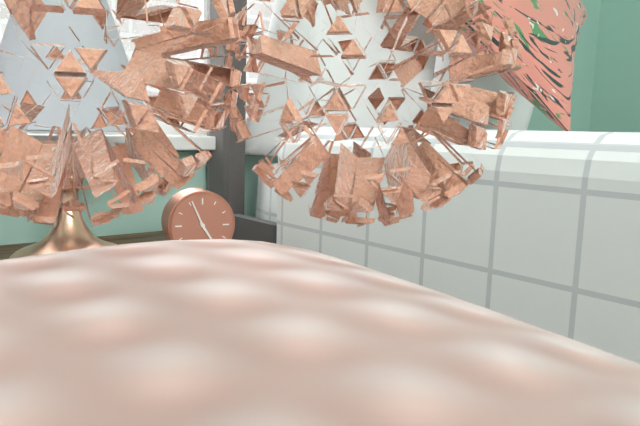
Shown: 4:56
